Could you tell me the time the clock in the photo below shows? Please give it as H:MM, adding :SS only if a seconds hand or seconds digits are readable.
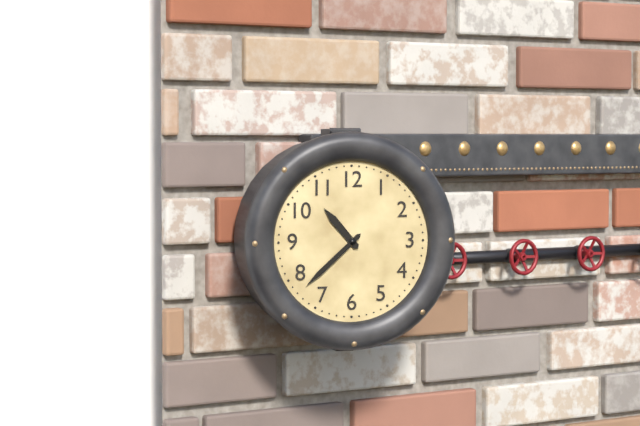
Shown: 10:38
